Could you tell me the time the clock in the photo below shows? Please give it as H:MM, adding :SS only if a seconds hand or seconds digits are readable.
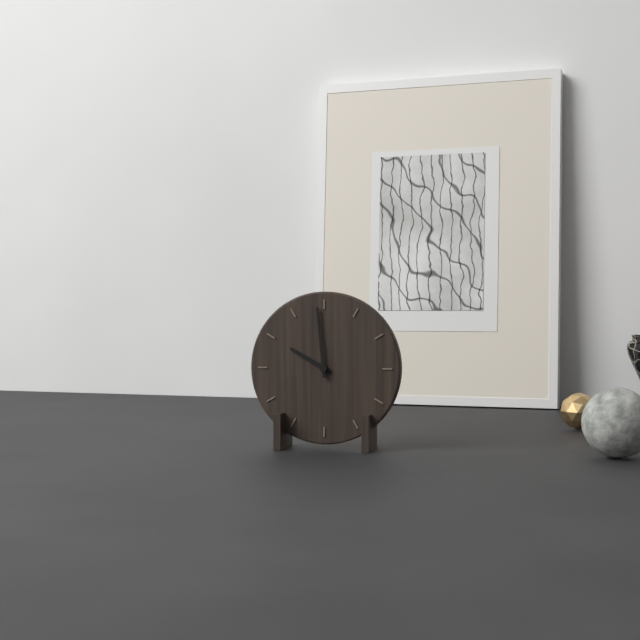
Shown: 9:59
